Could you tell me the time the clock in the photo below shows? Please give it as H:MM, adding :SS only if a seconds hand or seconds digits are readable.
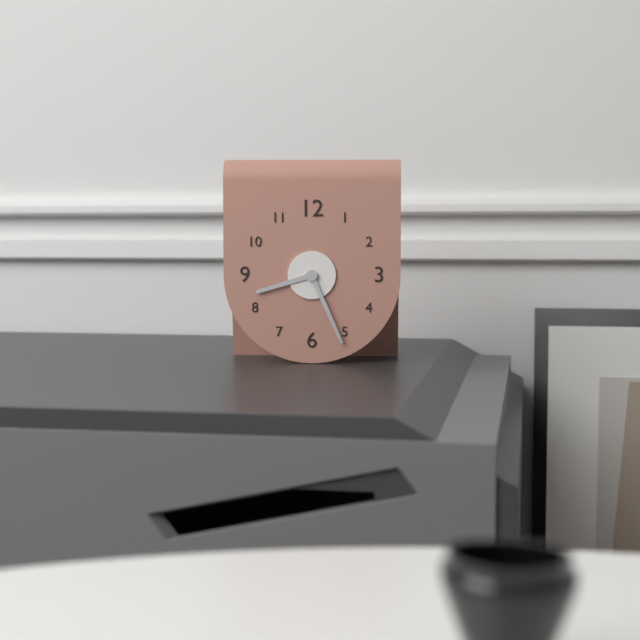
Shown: 8:26
